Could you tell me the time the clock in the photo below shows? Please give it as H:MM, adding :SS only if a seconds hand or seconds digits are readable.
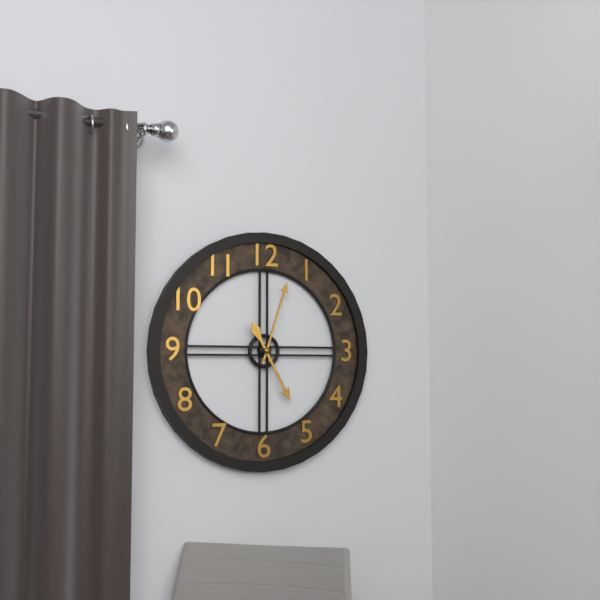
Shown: 5:03
